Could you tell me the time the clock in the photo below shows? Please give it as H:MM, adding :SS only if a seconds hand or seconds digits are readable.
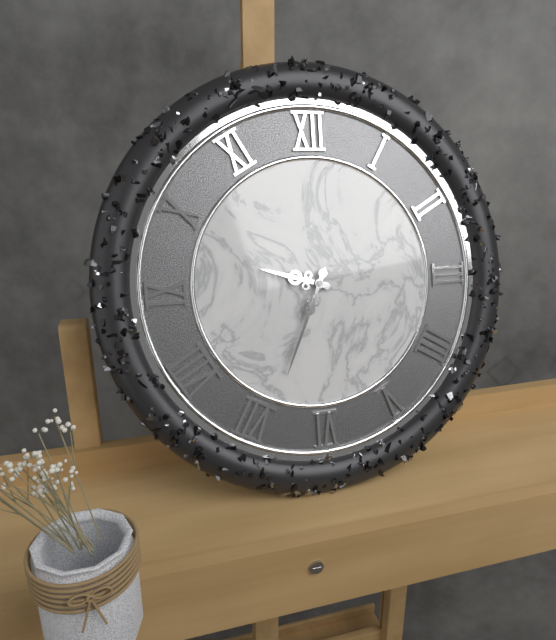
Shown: 9:34
